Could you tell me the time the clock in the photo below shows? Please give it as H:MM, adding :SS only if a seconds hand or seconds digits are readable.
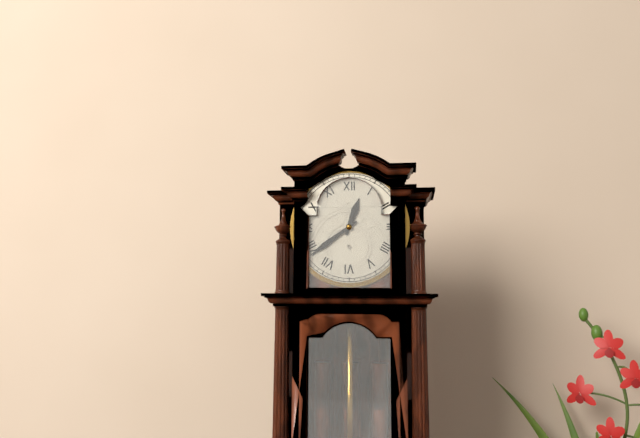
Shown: 12:39
